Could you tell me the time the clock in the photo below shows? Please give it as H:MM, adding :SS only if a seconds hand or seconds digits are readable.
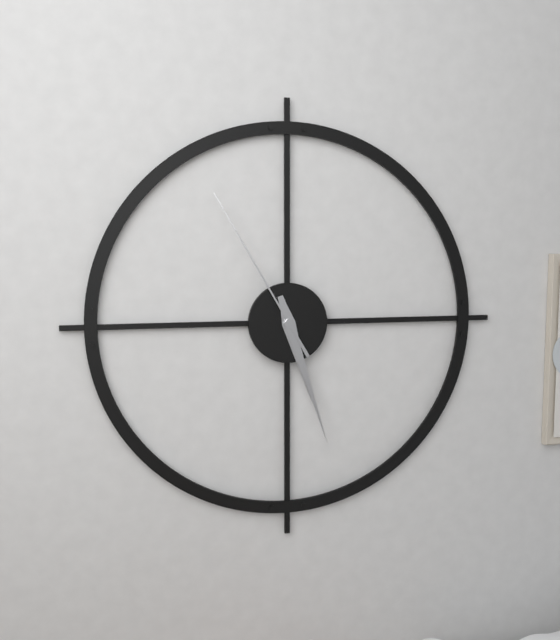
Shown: 5:27:55
